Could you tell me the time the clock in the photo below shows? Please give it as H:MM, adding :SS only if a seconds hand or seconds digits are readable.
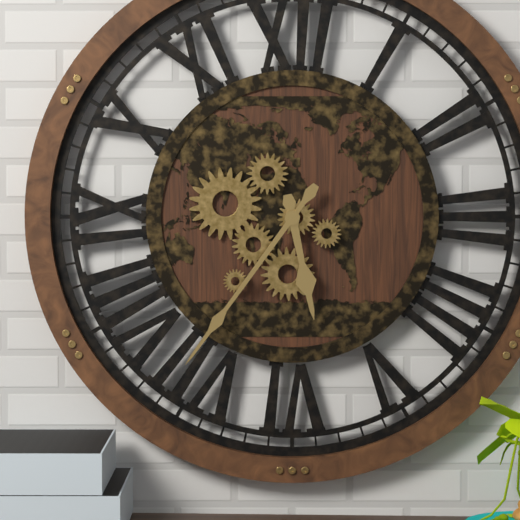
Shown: 5:36
